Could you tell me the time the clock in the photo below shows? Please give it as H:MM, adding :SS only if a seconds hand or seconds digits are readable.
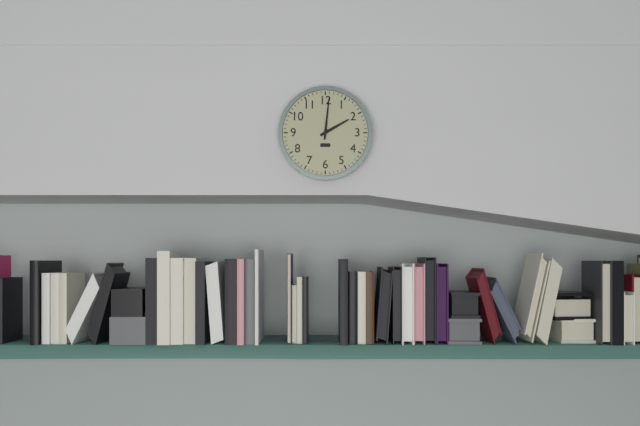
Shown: 2:01
